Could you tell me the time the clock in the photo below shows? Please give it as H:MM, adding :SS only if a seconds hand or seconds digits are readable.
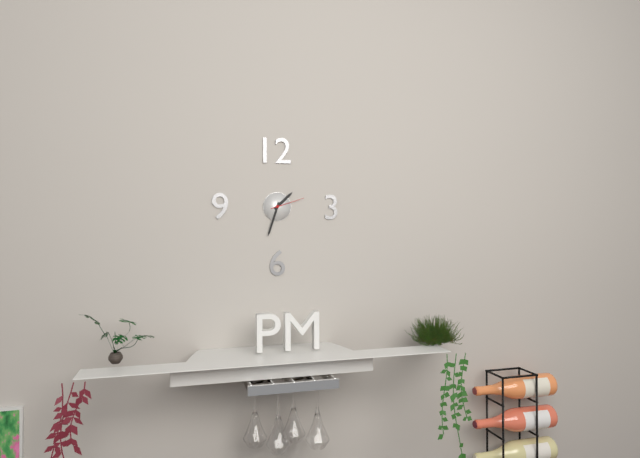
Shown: 1:33
